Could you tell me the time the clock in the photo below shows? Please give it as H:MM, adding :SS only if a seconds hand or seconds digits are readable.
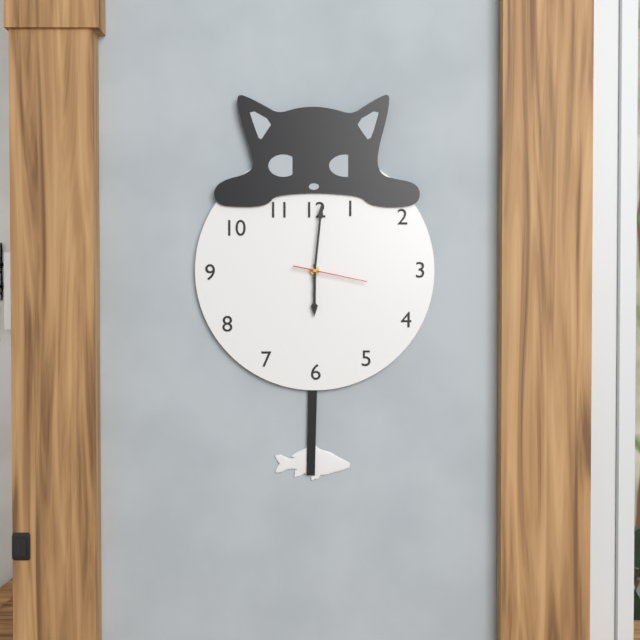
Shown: 6:01:17
